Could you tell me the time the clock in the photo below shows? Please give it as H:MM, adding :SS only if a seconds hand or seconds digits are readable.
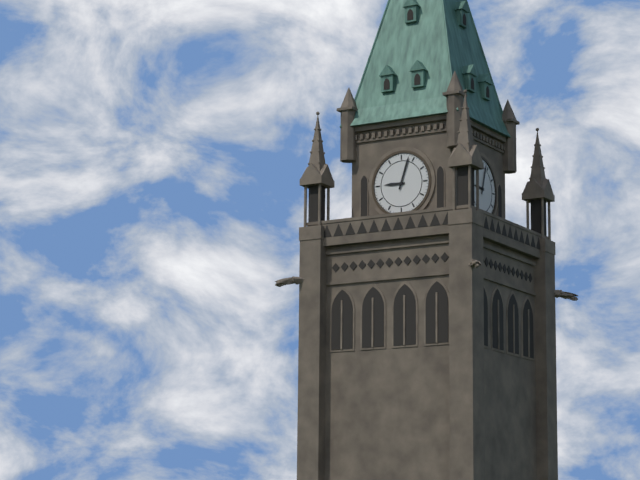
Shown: 9:03
